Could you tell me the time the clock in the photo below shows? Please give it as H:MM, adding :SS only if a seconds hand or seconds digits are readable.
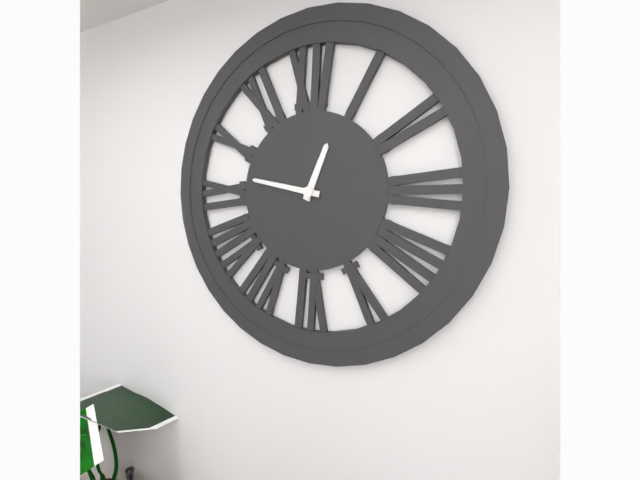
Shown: 12:47
